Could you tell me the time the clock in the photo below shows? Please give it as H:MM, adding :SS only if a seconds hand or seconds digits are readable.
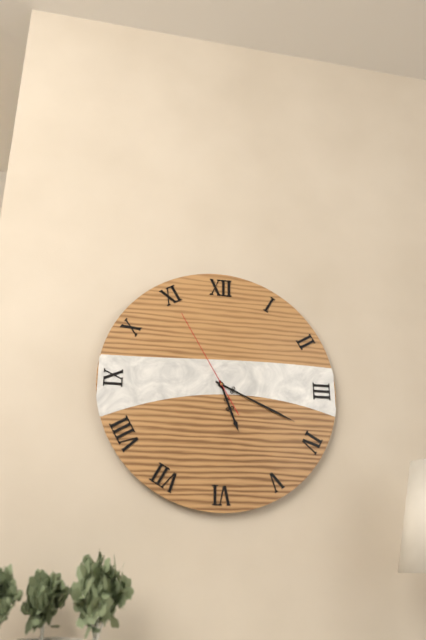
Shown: 5:19:55
